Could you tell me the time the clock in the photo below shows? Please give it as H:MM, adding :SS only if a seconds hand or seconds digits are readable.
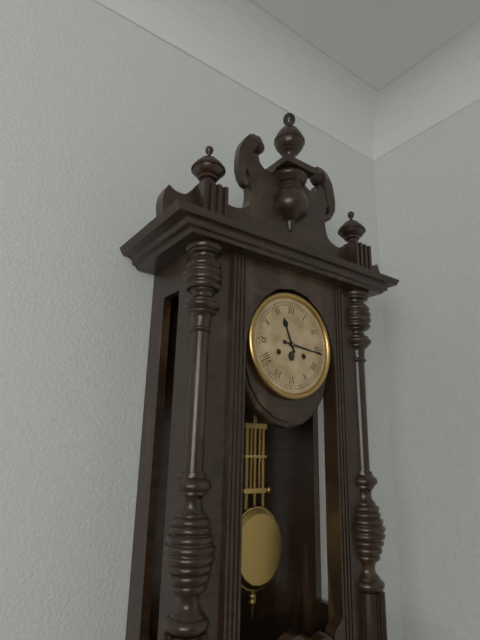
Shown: 11:16
